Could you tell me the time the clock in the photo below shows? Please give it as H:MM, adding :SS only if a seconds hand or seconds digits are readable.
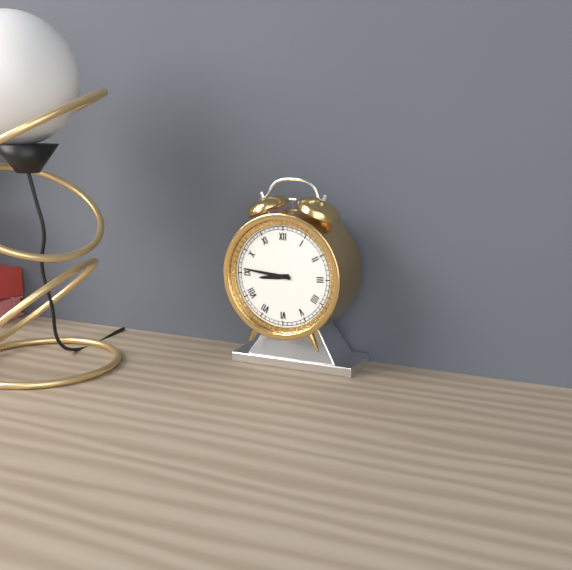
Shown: 8:46
